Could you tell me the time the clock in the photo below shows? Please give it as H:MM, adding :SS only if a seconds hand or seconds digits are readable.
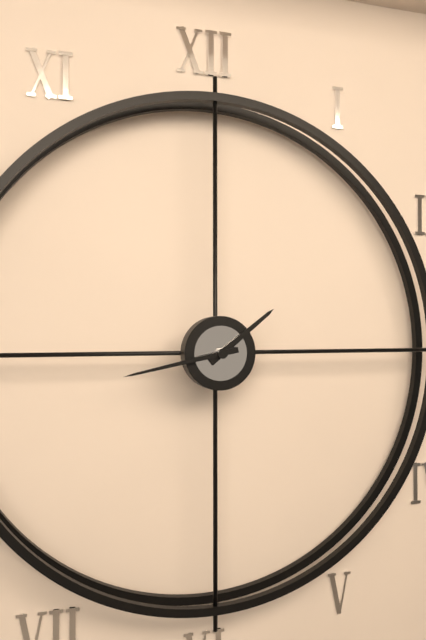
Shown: 1:43
